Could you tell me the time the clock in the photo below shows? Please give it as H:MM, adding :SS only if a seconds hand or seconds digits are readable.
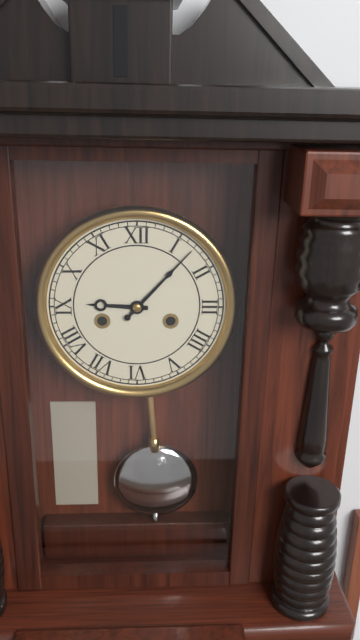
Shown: 9:07
